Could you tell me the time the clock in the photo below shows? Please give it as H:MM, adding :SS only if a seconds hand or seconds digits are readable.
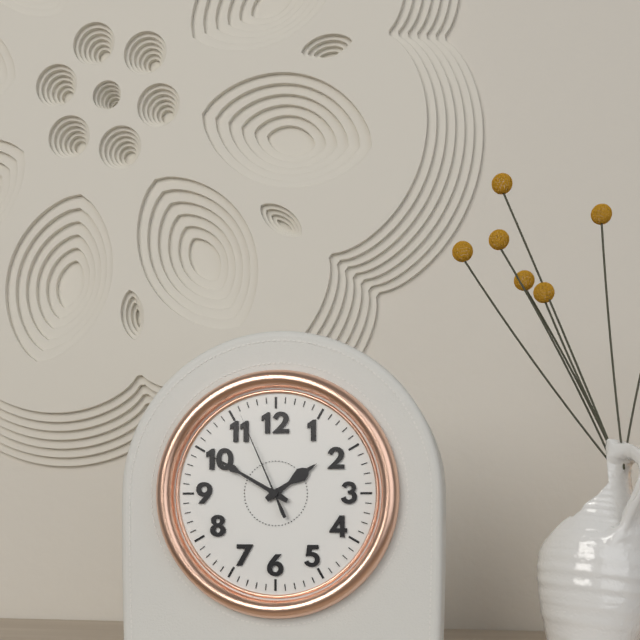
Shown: 1:50:56
